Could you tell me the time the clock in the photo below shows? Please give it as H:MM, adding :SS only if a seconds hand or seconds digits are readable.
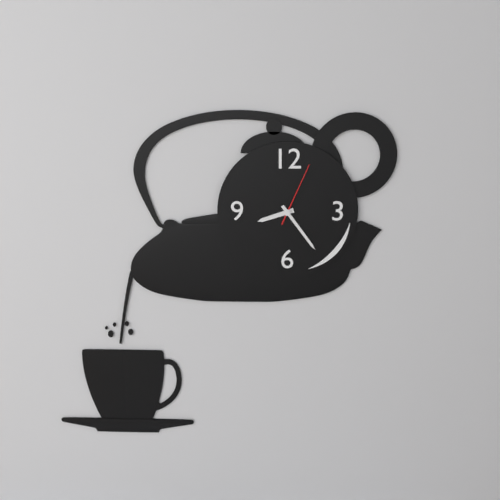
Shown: 8:24:04
